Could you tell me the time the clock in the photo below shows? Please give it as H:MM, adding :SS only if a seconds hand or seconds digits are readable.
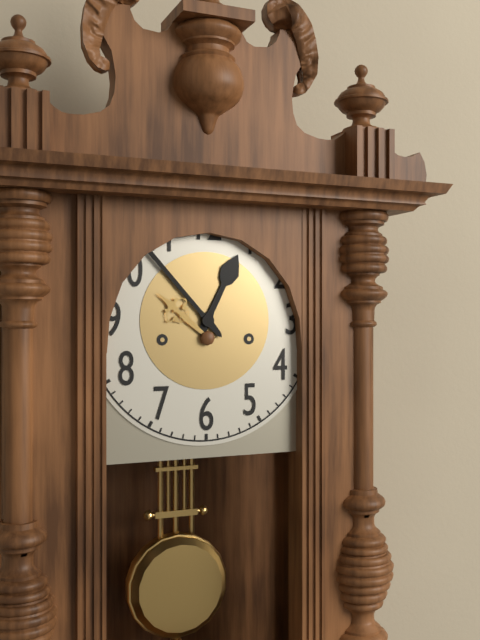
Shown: 12:53
